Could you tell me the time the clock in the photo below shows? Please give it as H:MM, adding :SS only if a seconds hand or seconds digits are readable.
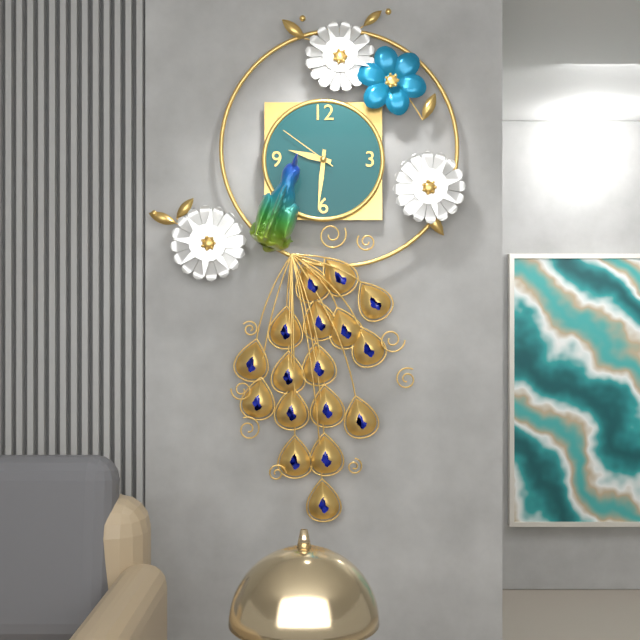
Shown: 9:31:51
